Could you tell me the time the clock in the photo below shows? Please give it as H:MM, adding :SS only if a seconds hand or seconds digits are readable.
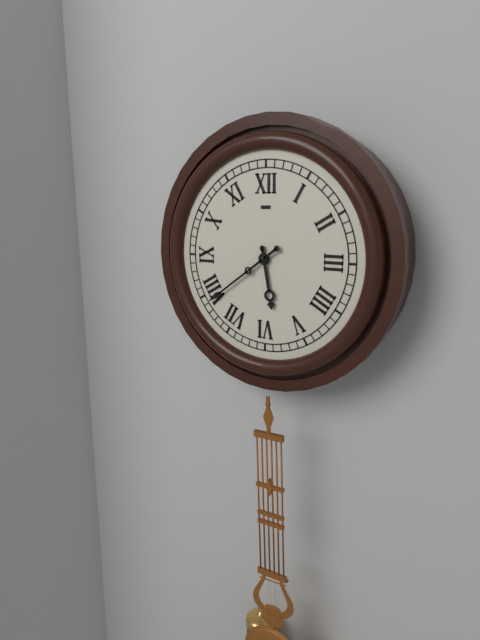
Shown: 5:39
